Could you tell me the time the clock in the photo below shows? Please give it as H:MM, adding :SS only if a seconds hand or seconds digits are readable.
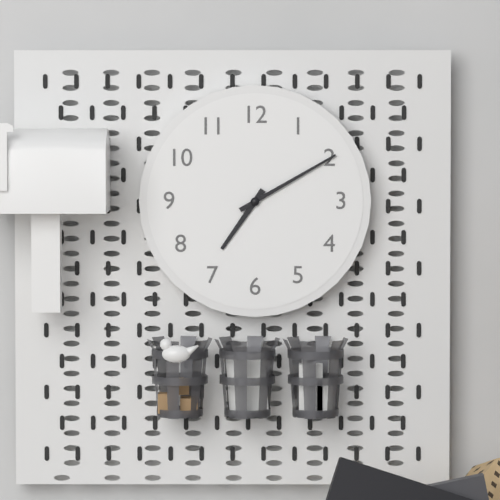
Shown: 7:10
